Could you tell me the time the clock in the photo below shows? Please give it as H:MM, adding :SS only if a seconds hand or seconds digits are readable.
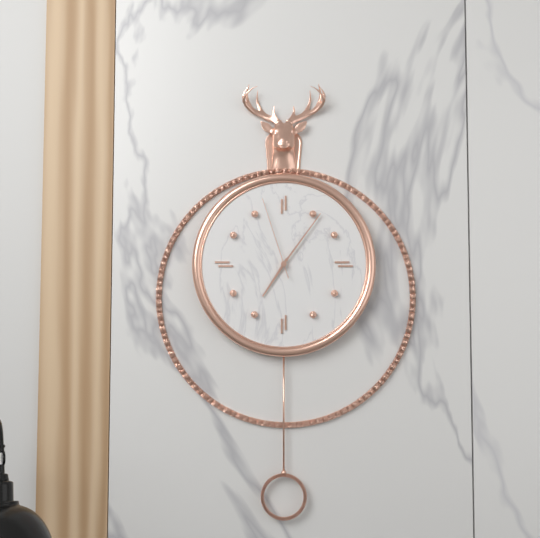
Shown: 7:06:57
